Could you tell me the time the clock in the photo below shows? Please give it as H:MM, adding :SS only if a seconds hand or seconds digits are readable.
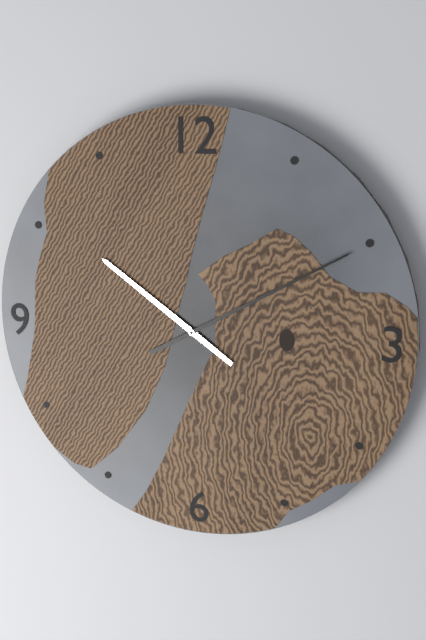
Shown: 10:10
